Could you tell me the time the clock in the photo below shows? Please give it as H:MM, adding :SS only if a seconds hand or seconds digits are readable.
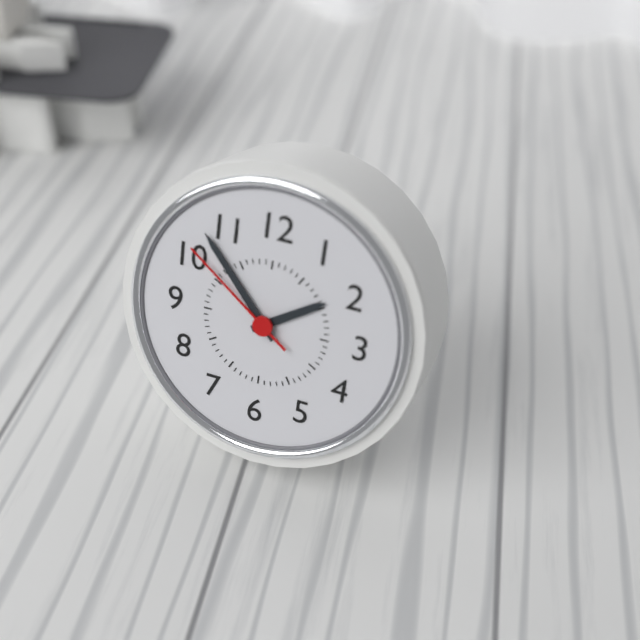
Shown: 1:53:51
